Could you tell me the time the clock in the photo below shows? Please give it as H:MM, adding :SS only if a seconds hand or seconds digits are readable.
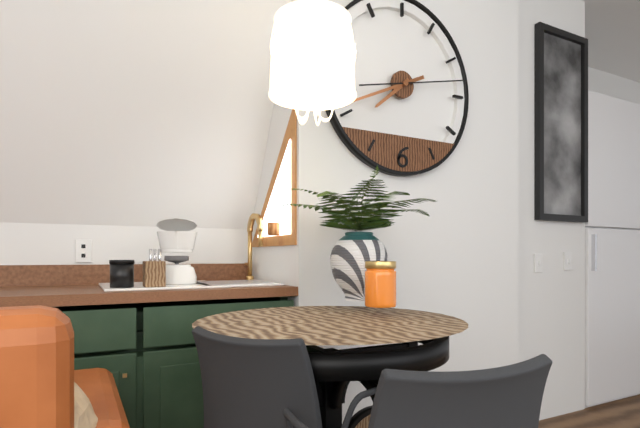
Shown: 7:41:13
